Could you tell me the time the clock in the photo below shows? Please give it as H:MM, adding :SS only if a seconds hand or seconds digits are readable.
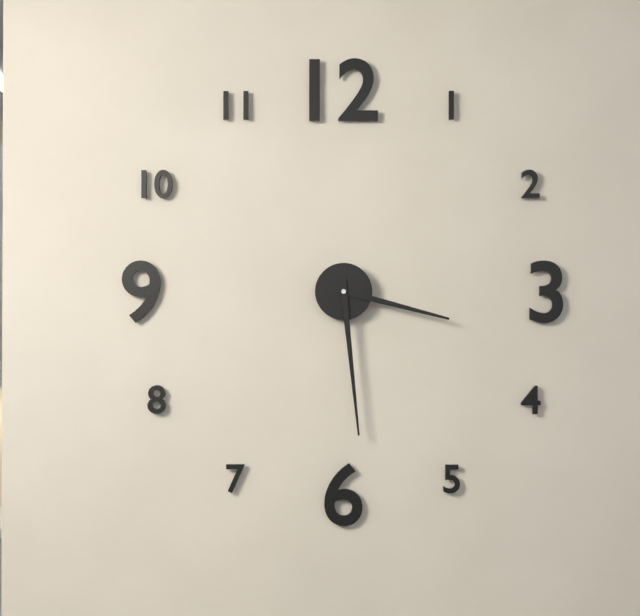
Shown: 3:29
